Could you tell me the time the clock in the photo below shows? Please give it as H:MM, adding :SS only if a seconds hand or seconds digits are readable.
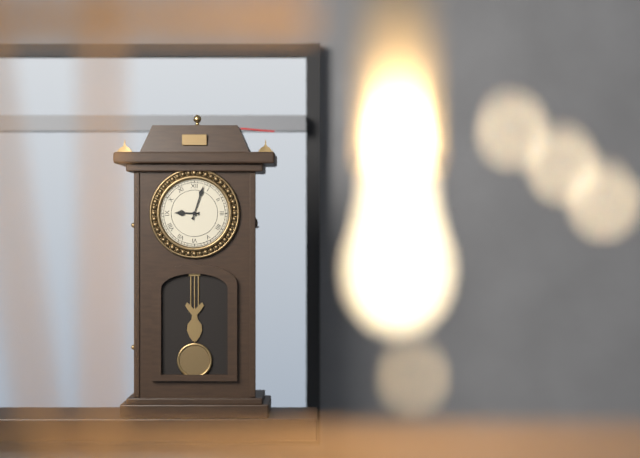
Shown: 9:03
